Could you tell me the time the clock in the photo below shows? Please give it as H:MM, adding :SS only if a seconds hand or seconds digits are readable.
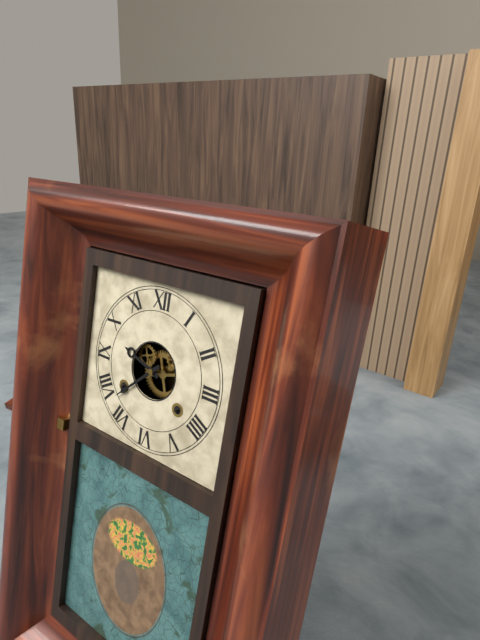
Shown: 9:38
